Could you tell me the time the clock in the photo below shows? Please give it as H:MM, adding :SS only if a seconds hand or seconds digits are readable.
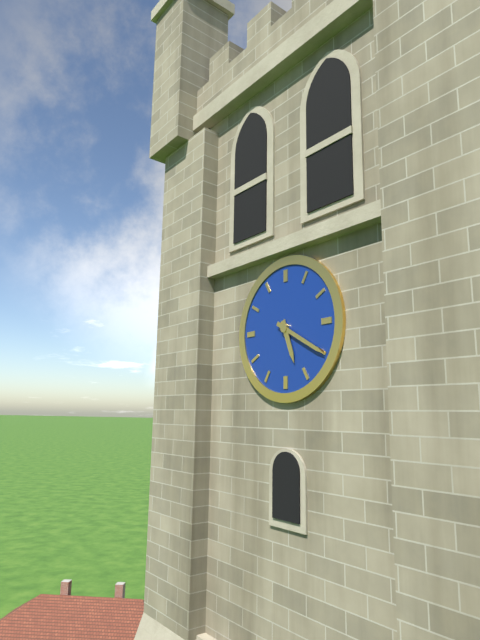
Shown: 5:20
